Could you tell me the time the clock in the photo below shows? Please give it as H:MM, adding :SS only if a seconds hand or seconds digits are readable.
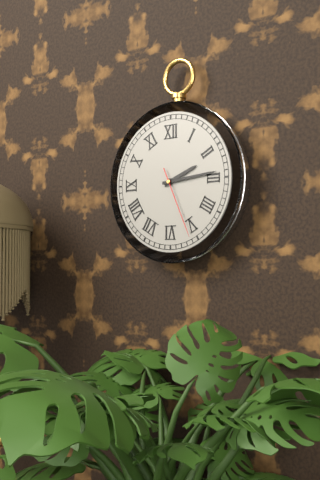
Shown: 2:14:26
